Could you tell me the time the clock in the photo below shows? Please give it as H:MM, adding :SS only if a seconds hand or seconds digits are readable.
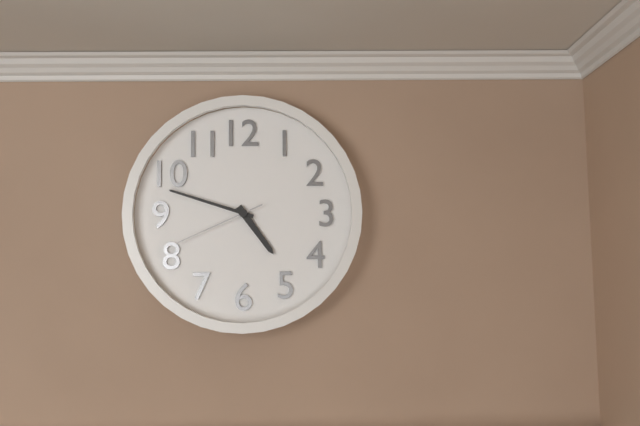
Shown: 4:48:41
